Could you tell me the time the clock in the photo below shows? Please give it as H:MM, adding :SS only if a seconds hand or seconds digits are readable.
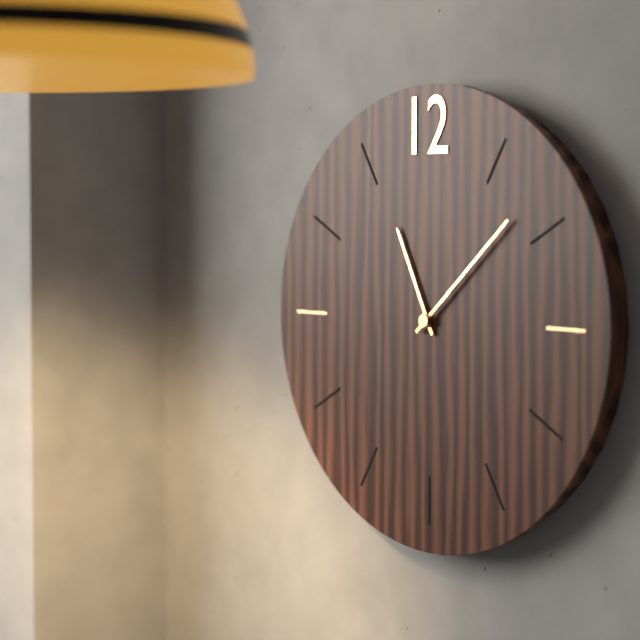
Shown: 11:08
